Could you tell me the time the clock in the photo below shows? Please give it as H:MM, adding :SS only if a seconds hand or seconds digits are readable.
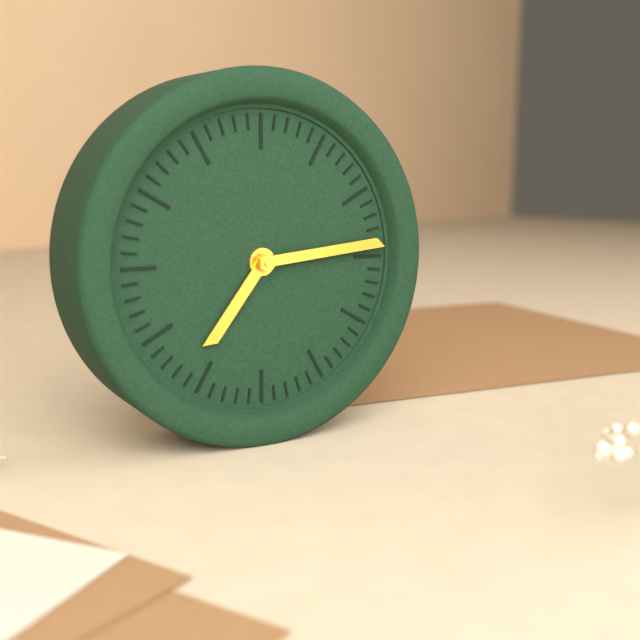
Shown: 7:14
